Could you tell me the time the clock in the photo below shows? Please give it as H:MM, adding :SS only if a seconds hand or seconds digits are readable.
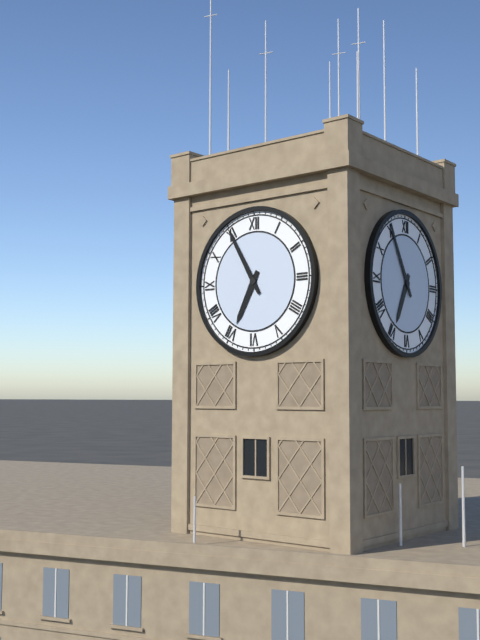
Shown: 6:55
